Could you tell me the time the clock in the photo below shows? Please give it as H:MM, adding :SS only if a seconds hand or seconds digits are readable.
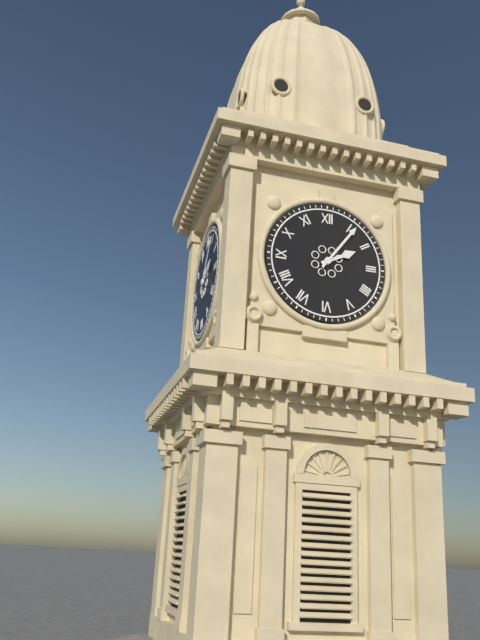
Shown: 2:06
